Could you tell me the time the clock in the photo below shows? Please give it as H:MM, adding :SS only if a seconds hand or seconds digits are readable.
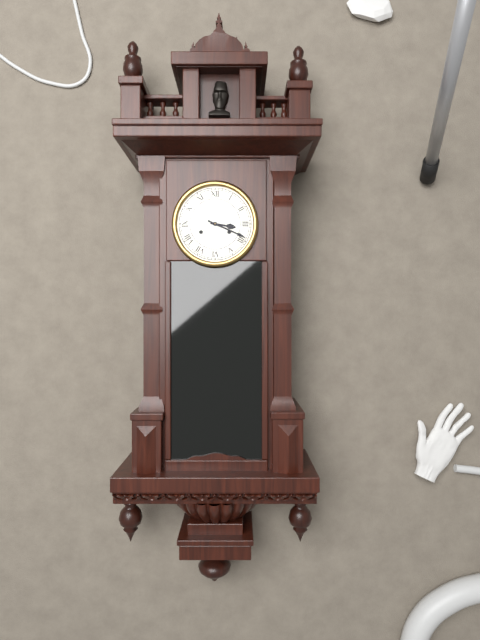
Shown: 3:19
